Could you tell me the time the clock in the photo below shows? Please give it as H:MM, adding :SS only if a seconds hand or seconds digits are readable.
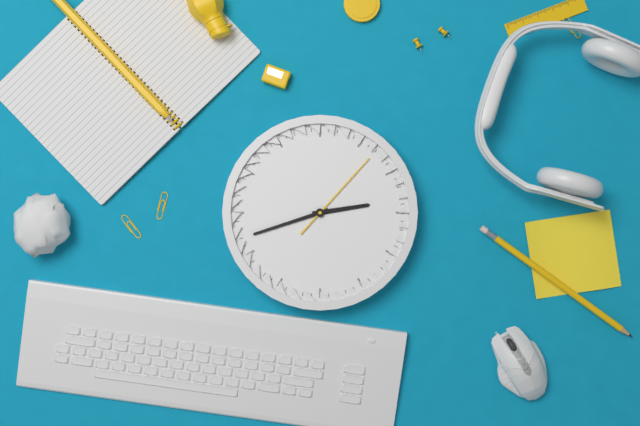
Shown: 2:42:07
